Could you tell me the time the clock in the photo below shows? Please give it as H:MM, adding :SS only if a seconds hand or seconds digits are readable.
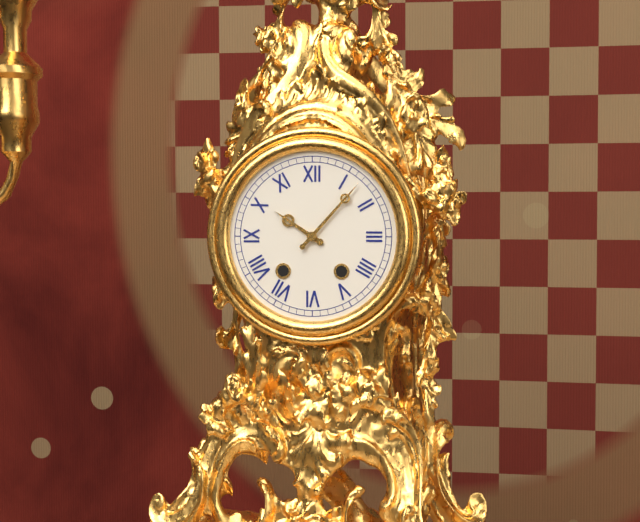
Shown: 10:07
